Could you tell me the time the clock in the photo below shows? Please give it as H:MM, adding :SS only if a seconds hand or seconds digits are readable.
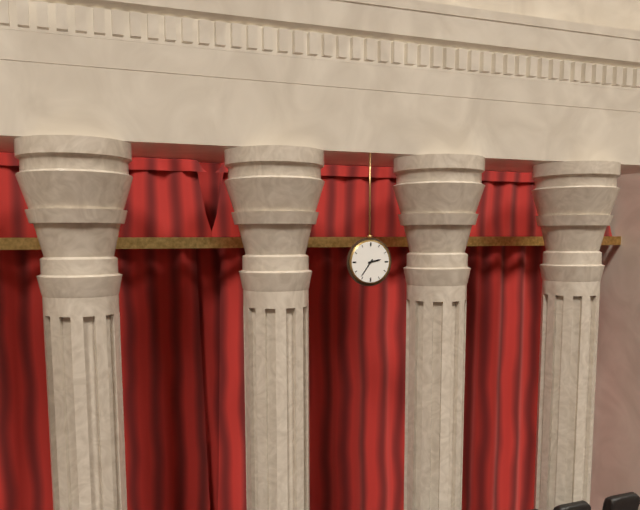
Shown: 2:36
